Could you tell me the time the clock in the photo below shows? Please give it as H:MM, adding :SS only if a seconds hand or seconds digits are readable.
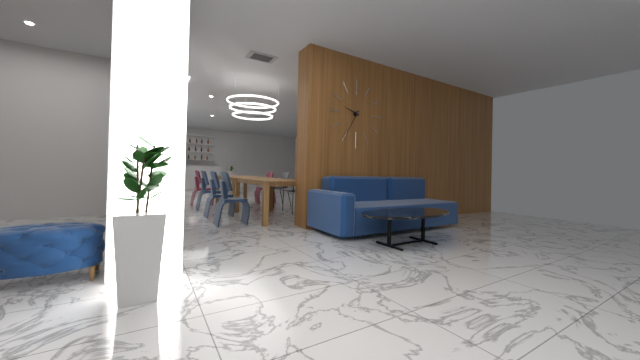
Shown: 9:35
